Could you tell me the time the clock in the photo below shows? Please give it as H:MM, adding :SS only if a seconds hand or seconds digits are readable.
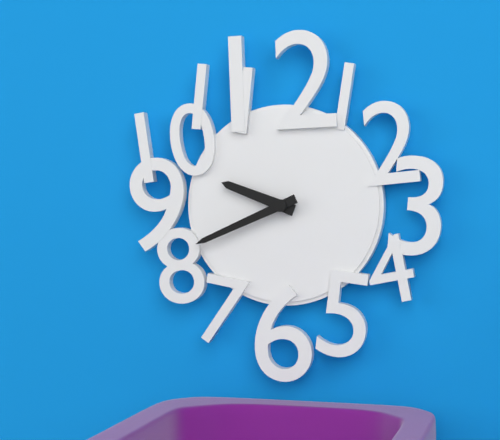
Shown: 9:41
